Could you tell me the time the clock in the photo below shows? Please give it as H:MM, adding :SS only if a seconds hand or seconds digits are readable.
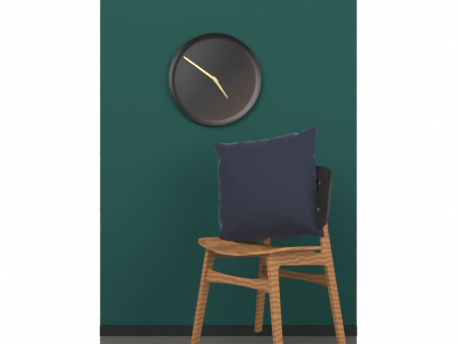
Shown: 4:51
